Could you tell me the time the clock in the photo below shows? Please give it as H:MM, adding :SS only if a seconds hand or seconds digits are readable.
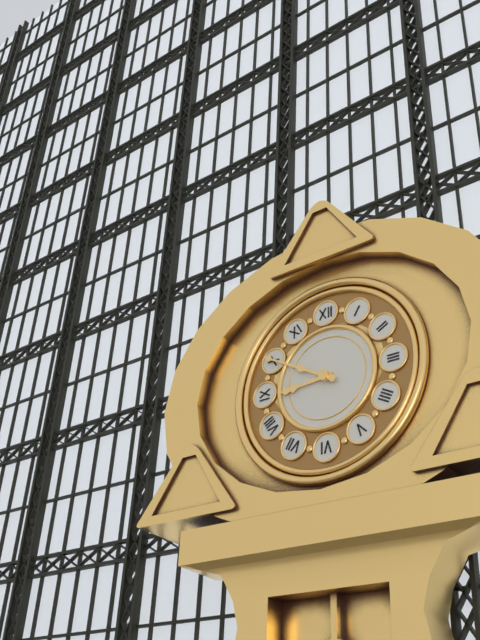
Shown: 8:50
